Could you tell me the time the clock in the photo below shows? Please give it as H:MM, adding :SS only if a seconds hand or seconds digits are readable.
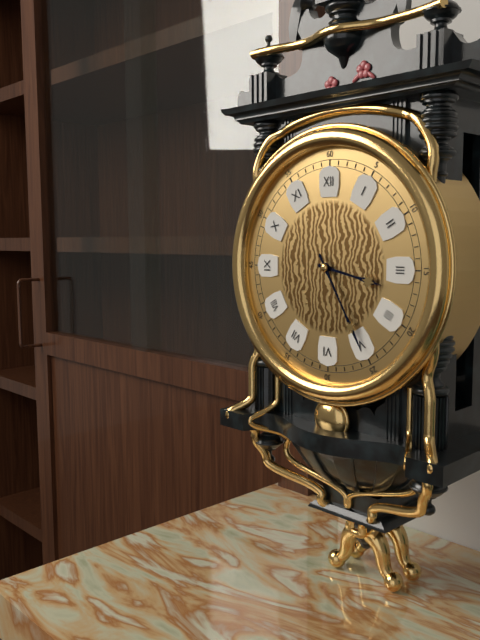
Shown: 3:25
